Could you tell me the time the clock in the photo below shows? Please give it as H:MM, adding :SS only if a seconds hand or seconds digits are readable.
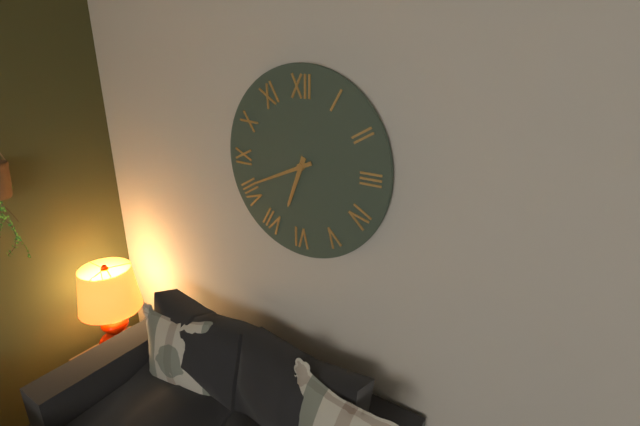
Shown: 6:41
